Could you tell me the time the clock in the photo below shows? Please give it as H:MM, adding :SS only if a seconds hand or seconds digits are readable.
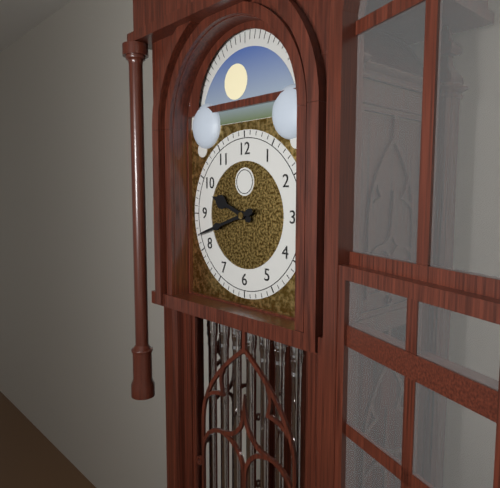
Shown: 9:42
